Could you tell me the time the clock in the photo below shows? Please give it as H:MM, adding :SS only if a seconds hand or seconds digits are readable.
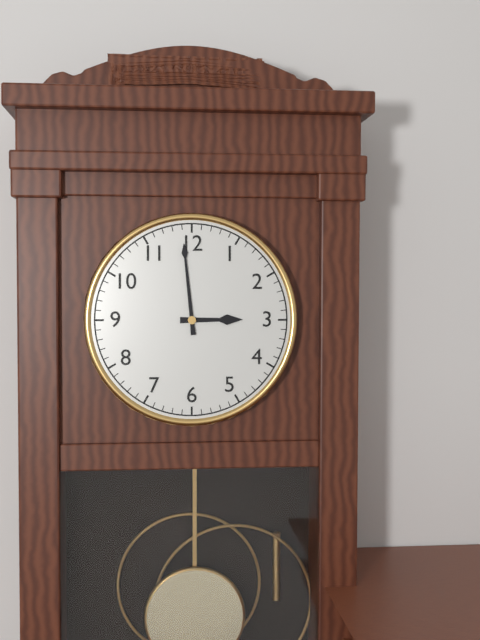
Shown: 2:59
